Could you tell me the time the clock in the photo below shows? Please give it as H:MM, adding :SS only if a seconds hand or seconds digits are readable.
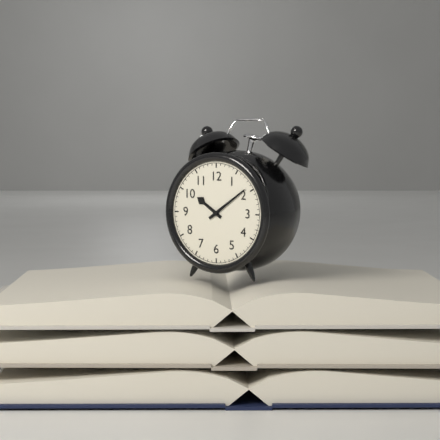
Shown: 10:09
